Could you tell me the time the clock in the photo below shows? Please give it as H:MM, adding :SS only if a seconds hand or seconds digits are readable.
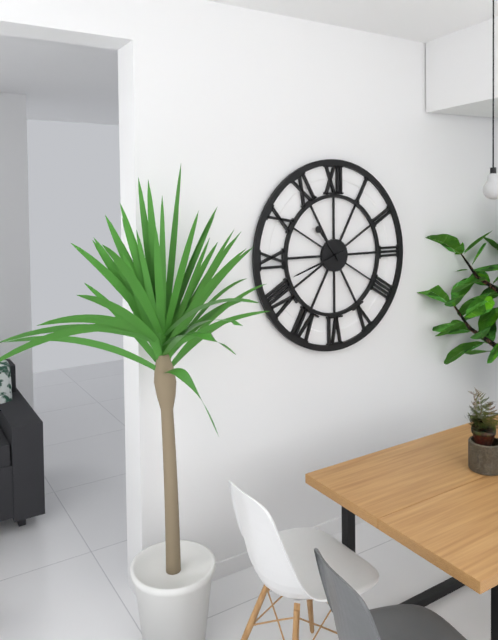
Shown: 10:42
